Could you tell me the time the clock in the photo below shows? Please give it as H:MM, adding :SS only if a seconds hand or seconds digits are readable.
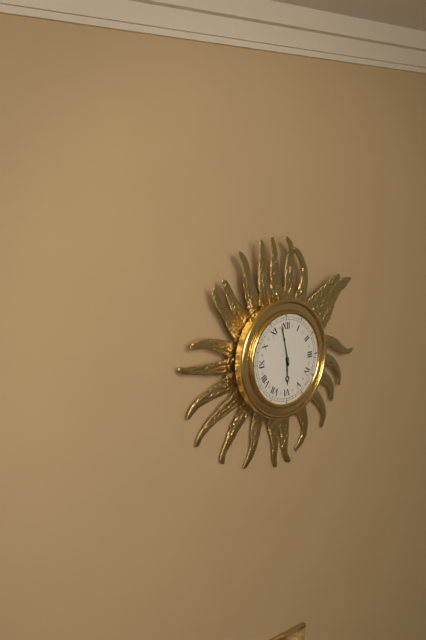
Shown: 5:58
